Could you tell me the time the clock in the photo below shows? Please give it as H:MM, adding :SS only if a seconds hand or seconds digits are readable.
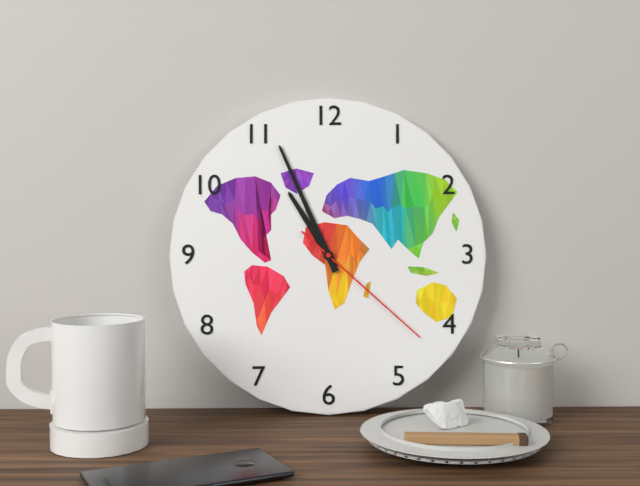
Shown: 10:56:22
